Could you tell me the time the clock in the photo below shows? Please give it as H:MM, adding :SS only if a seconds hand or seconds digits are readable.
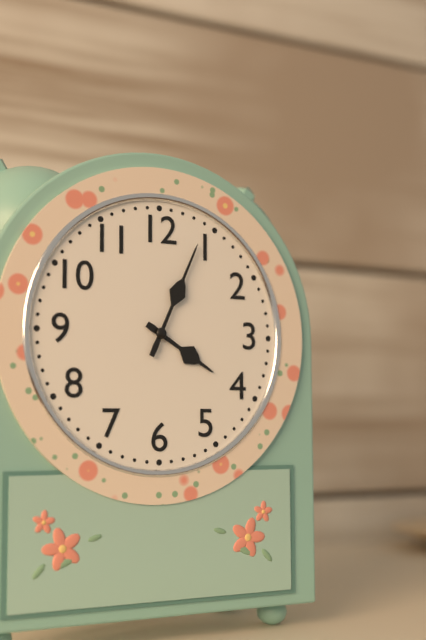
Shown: 4:04
